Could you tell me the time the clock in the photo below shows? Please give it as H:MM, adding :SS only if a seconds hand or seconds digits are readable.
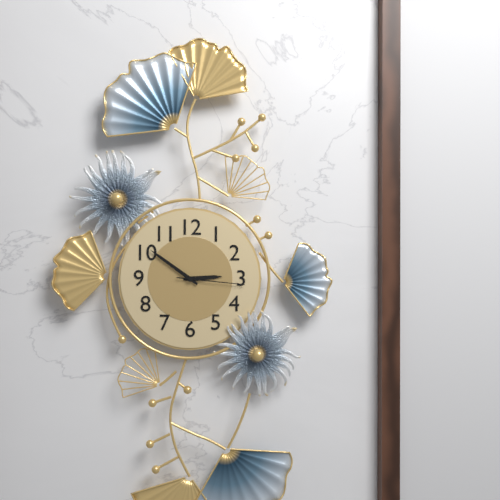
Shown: 2:51:16
